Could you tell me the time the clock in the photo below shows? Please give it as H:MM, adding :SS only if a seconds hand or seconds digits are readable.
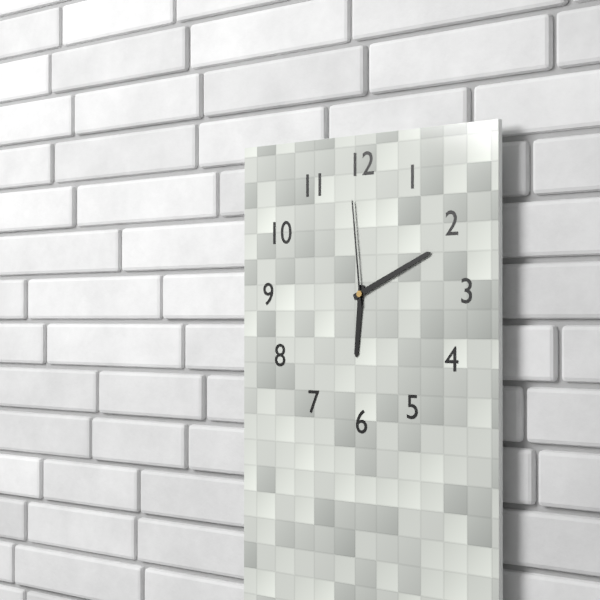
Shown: 6:11:59
